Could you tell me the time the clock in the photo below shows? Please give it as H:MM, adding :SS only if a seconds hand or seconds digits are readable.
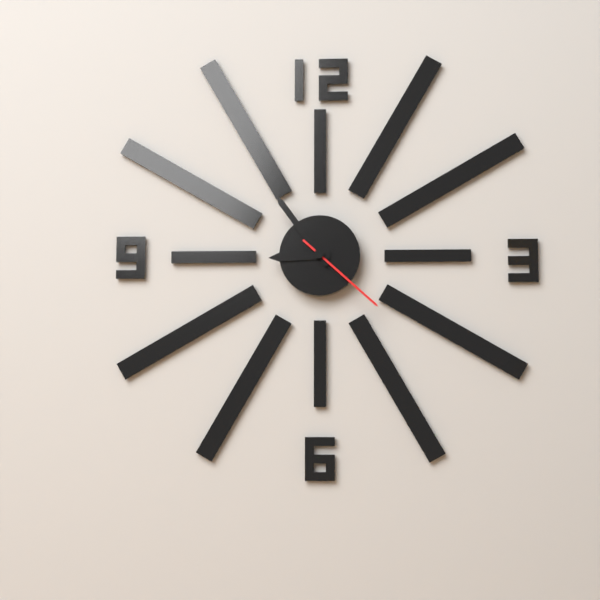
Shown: 8:54:22
